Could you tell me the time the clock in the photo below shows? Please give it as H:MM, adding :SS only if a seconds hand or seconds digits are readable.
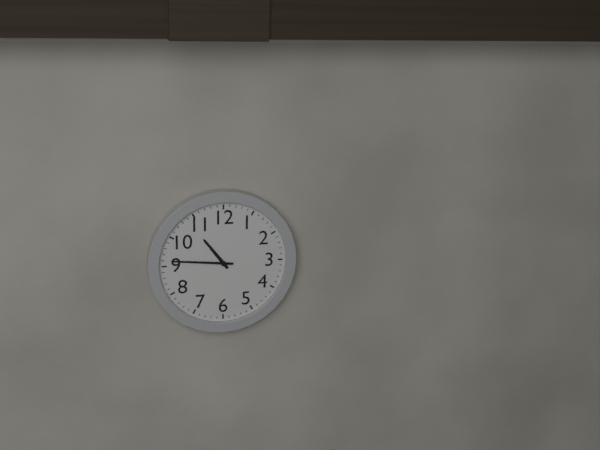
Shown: 10:46
